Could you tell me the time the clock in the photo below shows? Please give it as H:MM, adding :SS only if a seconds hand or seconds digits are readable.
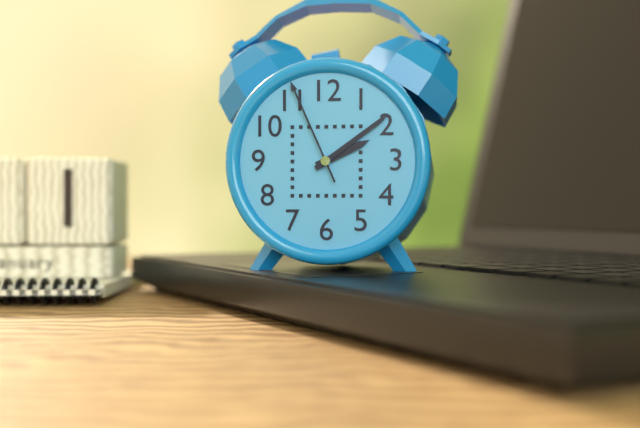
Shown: 2:09:56
